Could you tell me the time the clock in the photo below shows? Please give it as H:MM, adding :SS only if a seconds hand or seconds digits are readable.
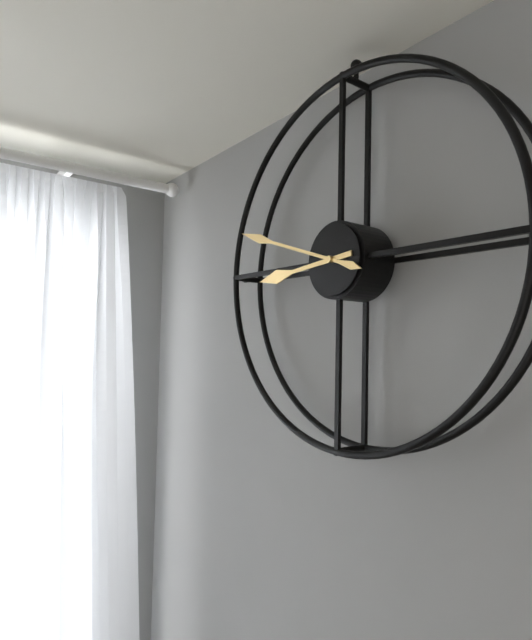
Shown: 8:48
